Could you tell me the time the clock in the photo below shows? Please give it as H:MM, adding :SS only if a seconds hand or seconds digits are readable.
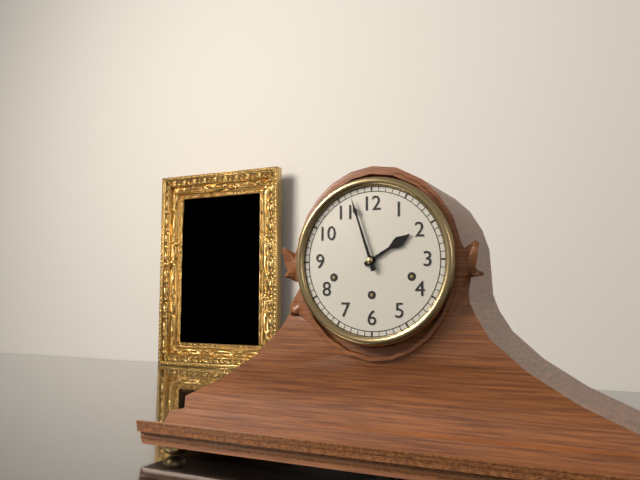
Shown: 1:57
